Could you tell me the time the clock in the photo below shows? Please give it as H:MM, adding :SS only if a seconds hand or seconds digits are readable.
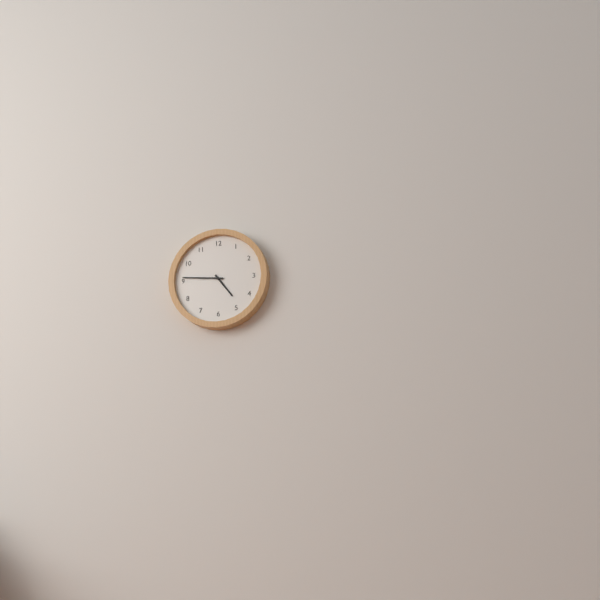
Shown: 4:46
